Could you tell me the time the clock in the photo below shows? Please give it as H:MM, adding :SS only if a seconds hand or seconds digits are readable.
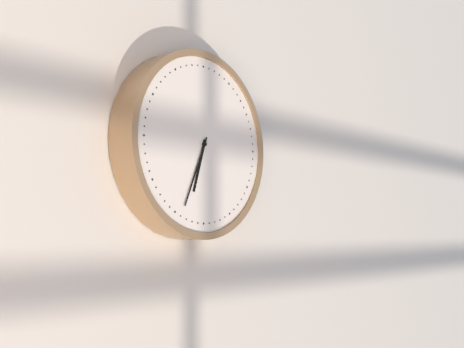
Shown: 6:34
